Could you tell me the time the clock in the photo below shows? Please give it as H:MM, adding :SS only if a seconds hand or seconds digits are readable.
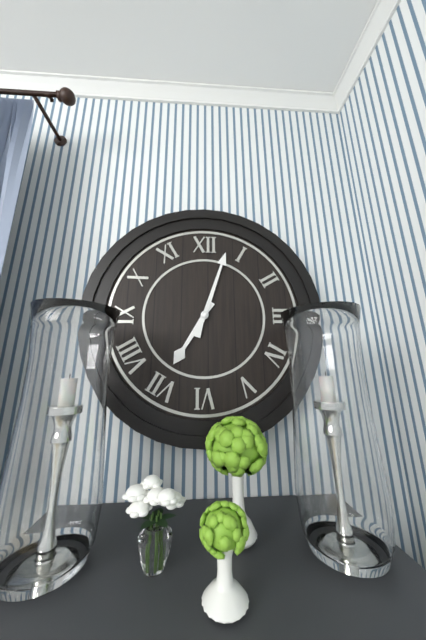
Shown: 7:03
